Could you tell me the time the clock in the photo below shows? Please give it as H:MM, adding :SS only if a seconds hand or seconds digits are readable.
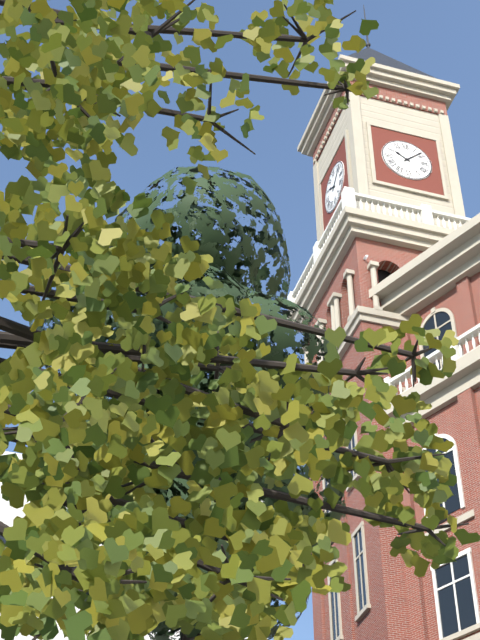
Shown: 10:08
